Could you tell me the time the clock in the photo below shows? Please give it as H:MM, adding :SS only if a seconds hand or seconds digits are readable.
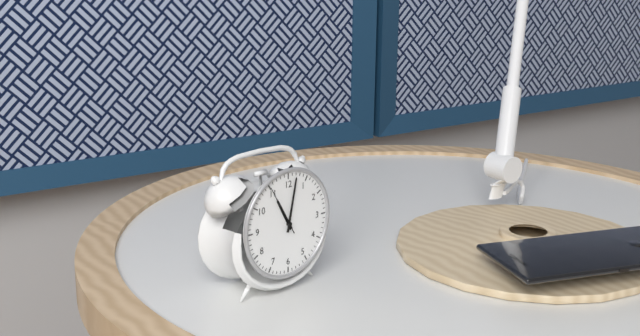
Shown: 11:02:55
